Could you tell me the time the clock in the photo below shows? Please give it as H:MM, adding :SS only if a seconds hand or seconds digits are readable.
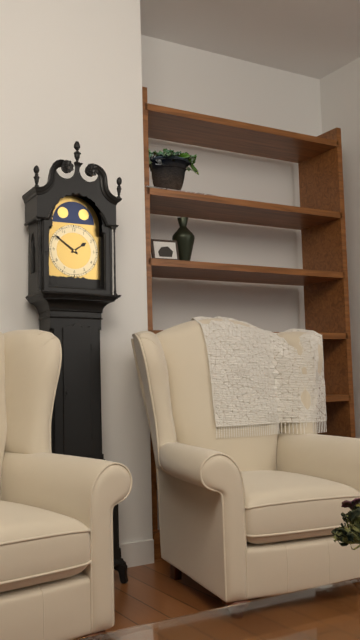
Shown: 1:51
